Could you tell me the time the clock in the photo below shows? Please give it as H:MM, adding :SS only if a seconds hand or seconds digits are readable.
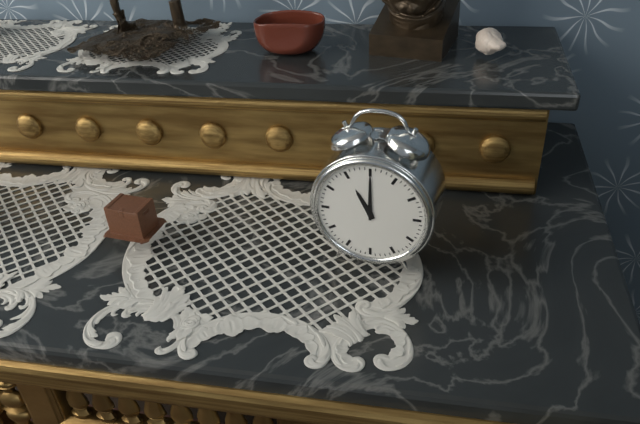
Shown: 11:00
